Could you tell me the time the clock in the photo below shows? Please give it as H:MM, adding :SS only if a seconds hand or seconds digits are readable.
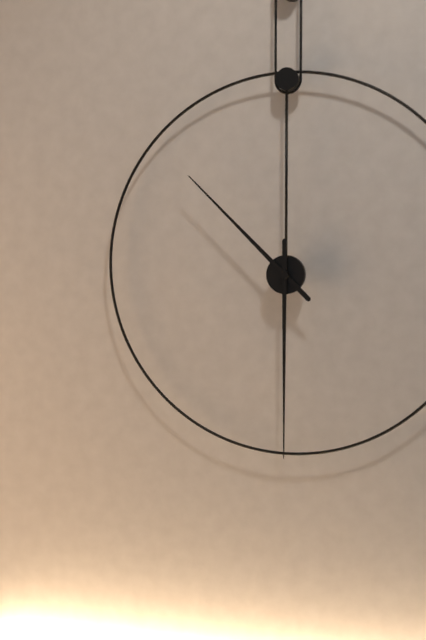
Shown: 10:30
